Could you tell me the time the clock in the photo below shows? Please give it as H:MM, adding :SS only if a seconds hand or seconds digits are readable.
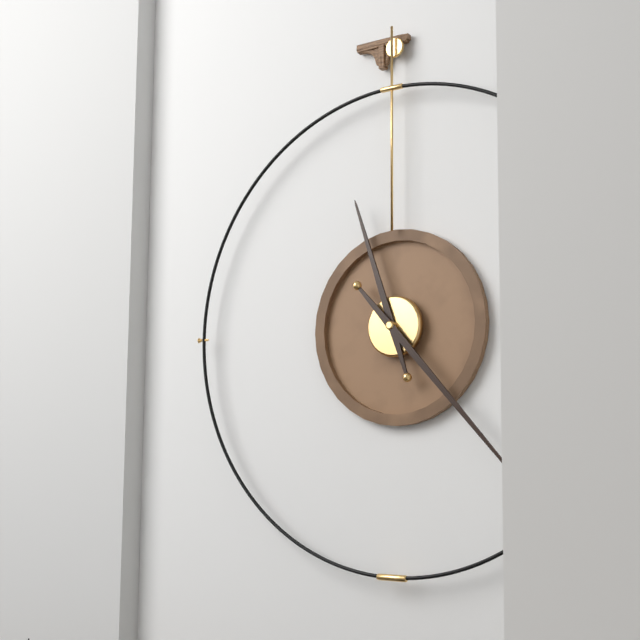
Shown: 11:23
